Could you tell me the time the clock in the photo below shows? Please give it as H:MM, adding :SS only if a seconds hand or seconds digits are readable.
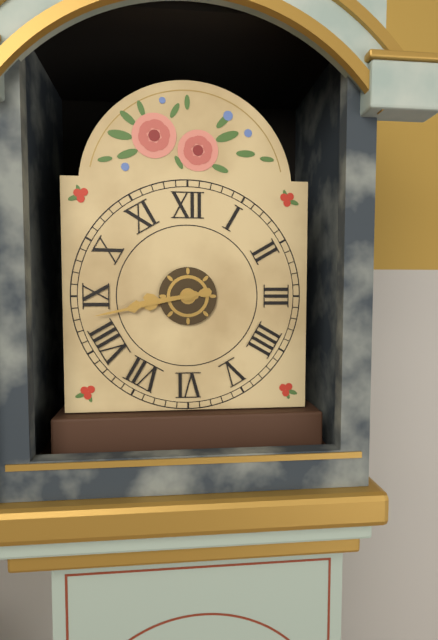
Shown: 8:43
